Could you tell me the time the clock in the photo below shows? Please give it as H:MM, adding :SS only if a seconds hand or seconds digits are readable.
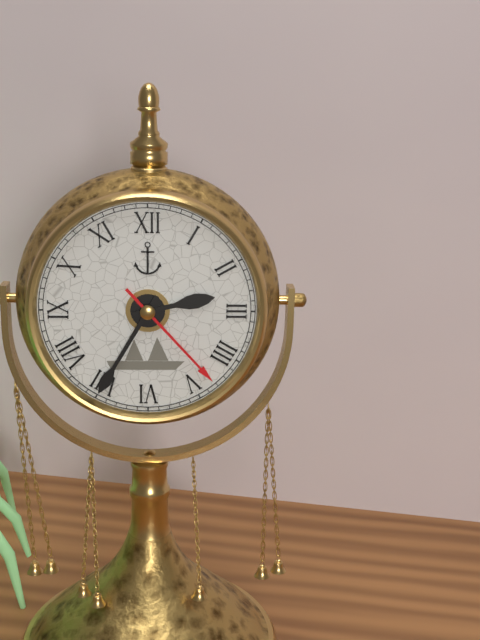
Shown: 2:35:23
